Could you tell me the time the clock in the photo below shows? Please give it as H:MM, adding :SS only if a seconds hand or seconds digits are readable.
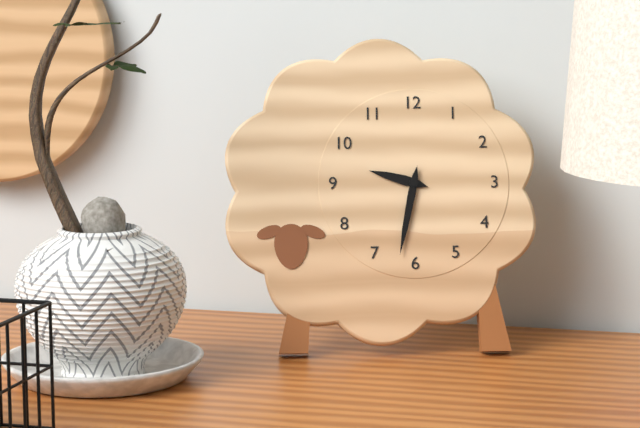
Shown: 9:32
